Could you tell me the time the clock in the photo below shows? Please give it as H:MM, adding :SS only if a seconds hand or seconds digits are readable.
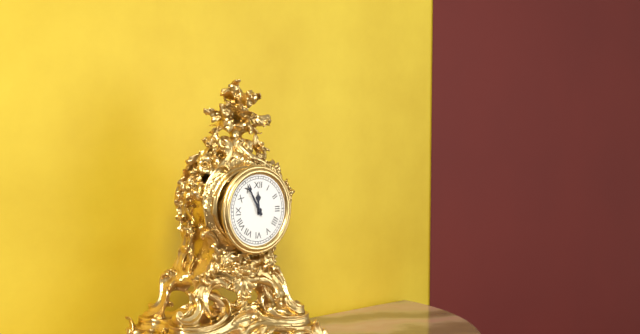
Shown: 11:55
